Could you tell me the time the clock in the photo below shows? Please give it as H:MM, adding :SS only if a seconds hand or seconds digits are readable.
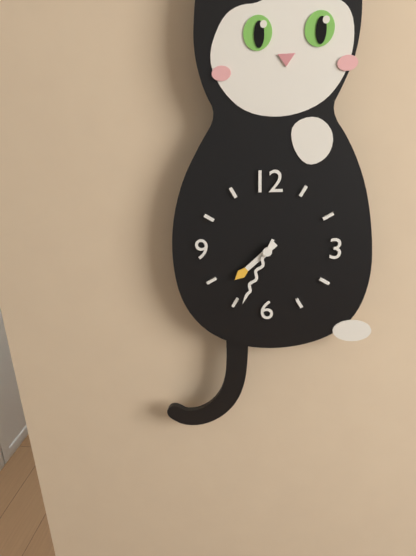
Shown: 7:34
